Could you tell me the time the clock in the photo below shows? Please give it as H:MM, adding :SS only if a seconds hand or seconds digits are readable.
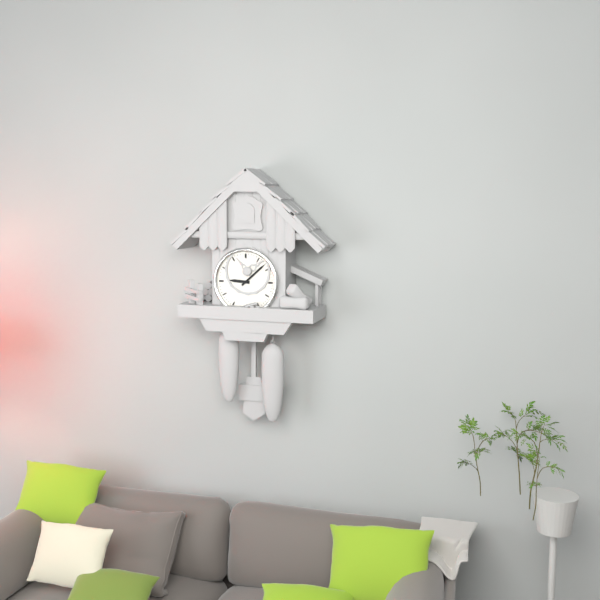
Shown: 9:08
